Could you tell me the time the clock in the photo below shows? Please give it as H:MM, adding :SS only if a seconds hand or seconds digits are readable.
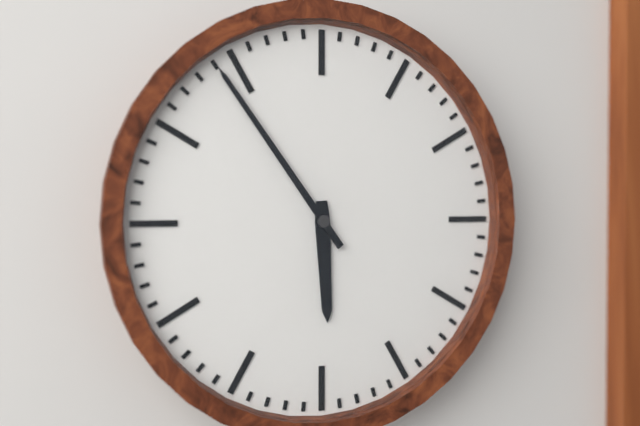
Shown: 5:54
